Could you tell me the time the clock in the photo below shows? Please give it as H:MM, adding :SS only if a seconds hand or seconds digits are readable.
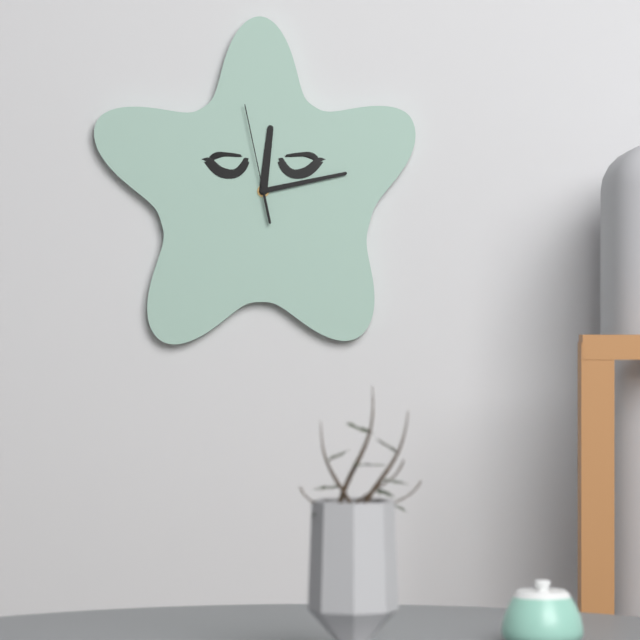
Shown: 12:13:58
